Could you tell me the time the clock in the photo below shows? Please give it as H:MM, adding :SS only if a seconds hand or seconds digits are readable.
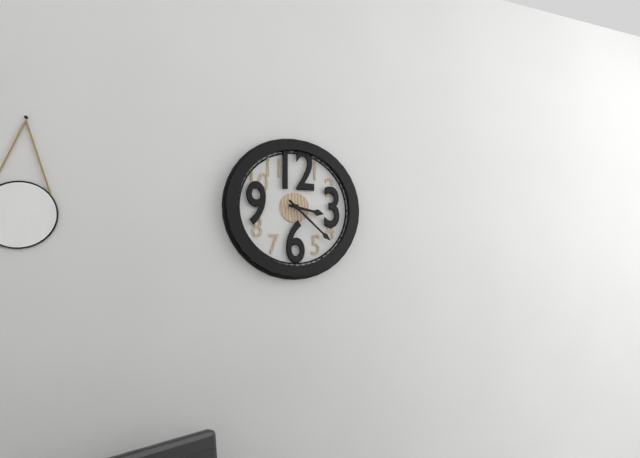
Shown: 3:22
